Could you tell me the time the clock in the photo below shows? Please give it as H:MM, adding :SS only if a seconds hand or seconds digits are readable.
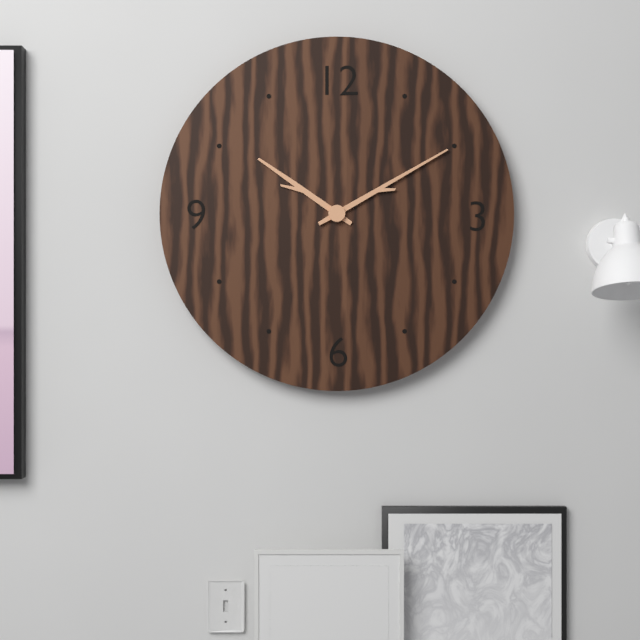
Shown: 10:10
